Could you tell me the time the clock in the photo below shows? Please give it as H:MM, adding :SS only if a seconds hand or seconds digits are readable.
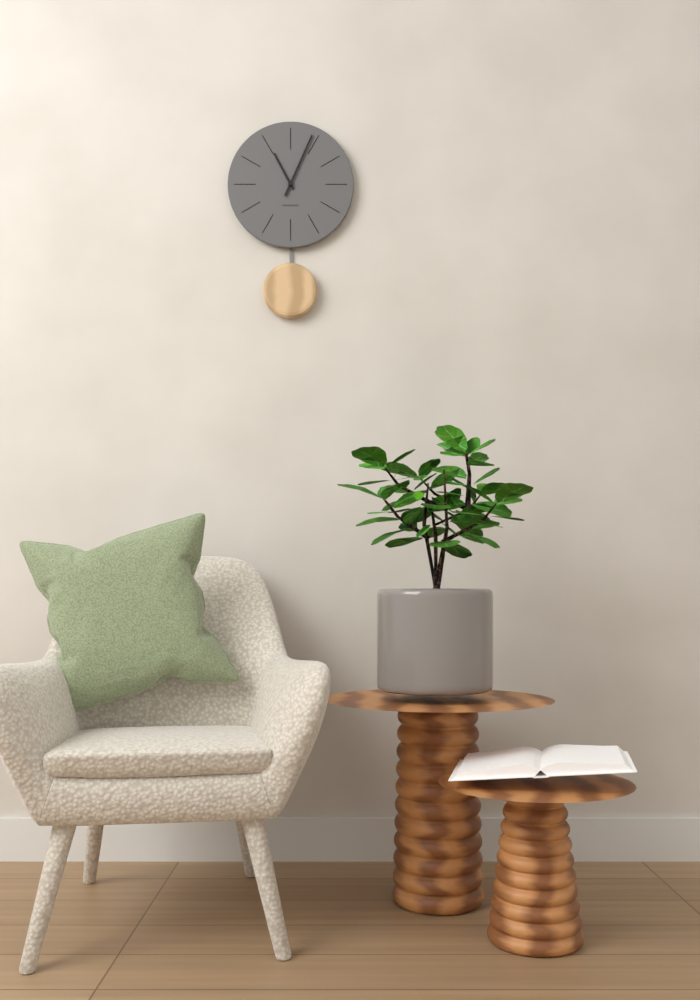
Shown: 11:04
